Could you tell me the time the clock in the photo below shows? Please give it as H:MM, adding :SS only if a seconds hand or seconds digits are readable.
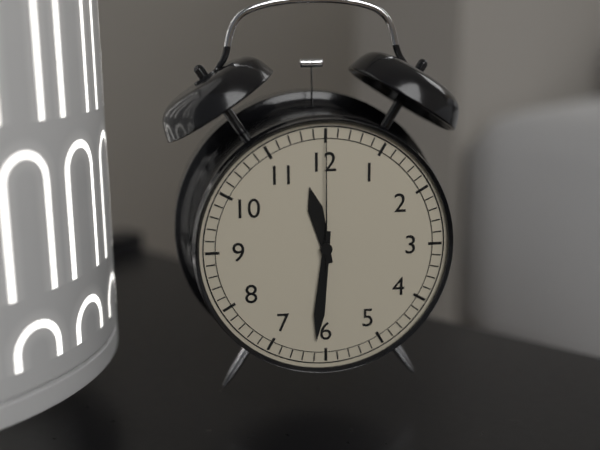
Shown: 11:31:00
